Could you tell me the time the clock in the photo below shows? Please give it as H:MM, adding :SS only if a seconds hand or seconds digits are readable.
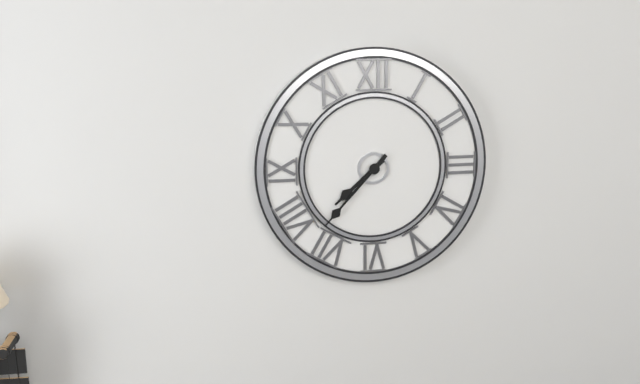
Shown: 7:37
